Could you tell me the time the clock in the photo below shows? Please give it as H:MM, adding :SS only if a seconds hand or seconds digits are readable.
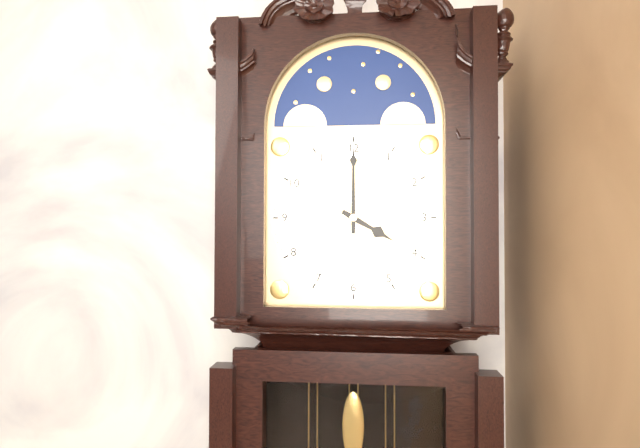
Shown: 4:00
